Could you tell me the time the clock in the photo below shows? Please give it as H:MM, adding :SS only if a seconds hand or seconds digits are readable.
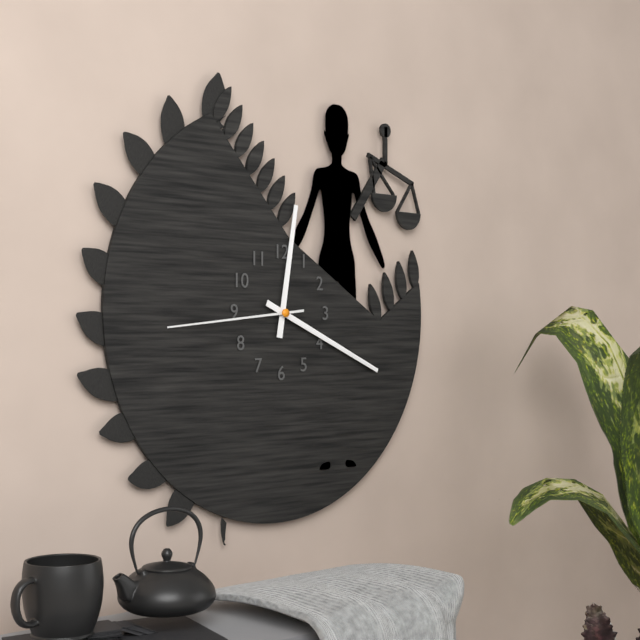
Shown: 12:19:44
